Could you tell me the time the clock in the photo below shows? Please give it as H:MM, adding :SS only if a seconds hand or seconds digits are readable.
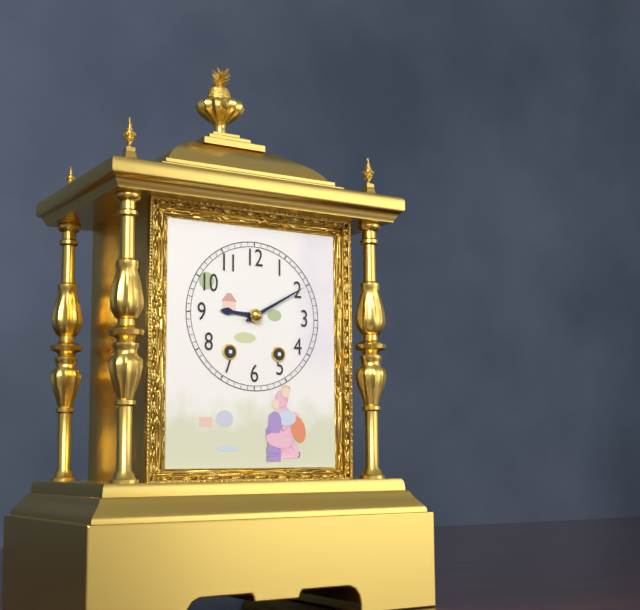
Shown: 9:10
